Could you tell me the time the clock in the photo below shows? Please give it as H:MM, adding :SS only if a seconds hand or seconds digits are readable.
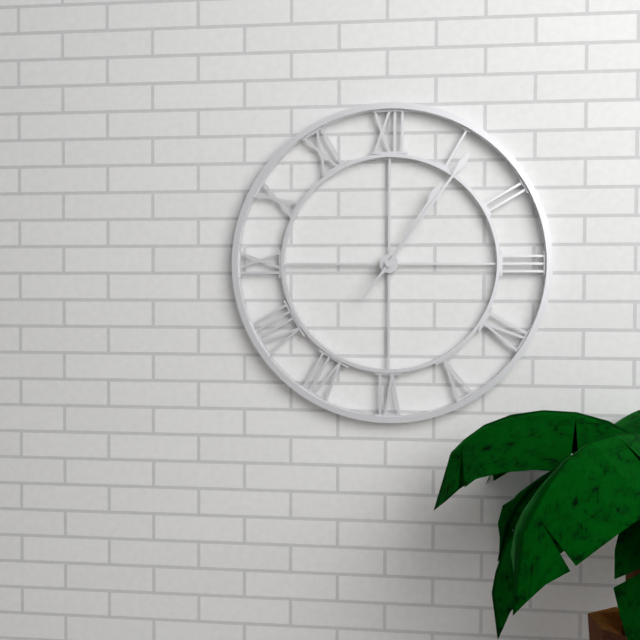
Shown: 1:06
